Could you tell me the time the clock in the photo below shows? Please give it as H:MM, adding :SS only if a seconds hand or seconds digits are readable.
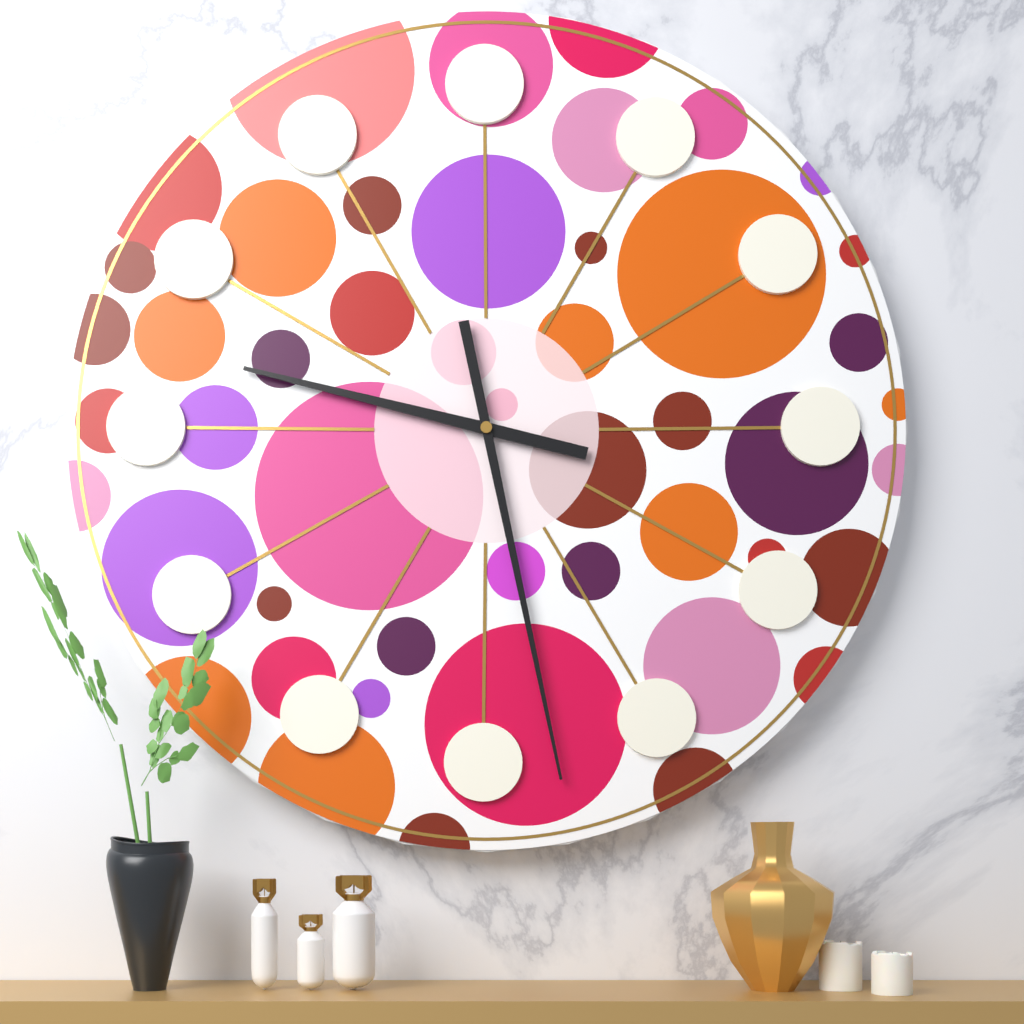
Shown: 9:28
